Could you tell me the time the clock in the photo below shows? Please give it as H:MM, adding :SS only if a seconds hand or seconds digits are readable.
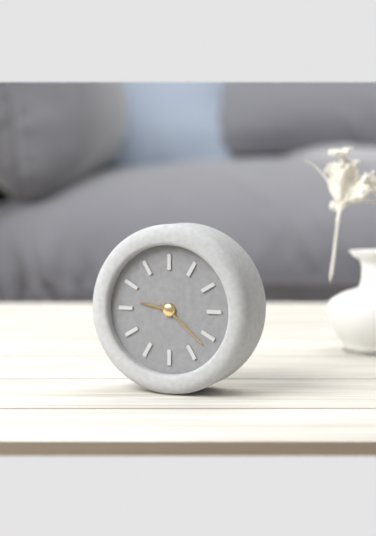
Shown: 9:22
